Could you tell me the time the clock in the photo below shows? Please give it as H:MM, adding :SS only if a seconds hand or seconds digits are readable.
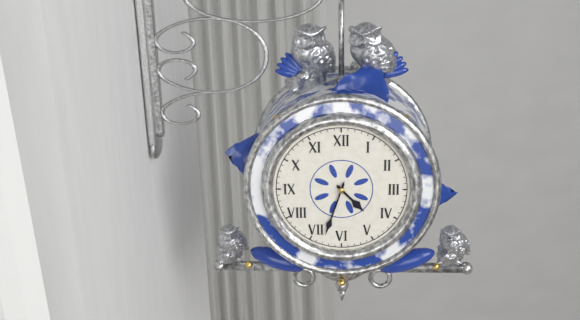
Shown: 4:33
